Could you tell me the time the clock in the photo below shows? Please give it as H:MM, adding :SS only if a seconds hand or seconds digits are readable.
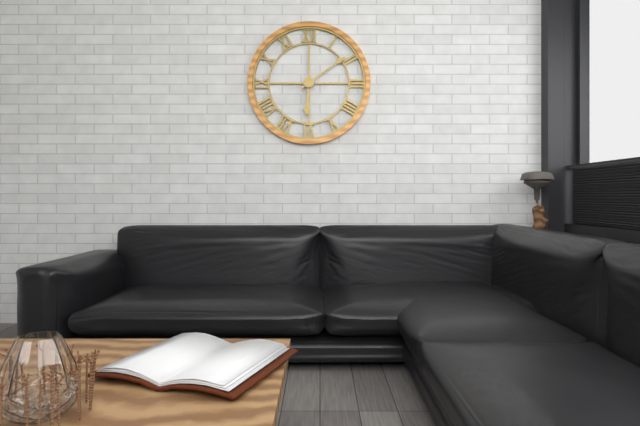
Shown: 6:09
